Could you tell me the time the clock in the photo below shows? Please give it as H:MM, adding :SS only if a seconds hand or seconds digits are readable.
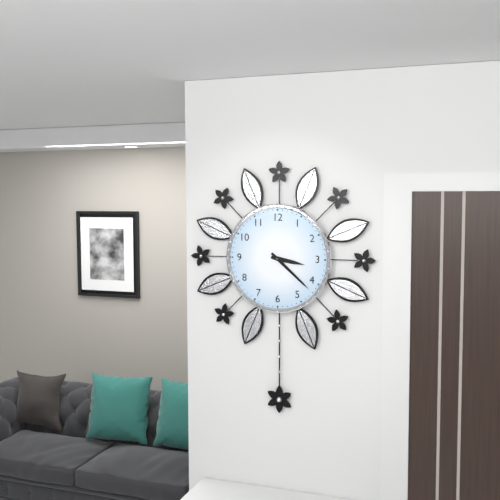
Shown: 3:22
